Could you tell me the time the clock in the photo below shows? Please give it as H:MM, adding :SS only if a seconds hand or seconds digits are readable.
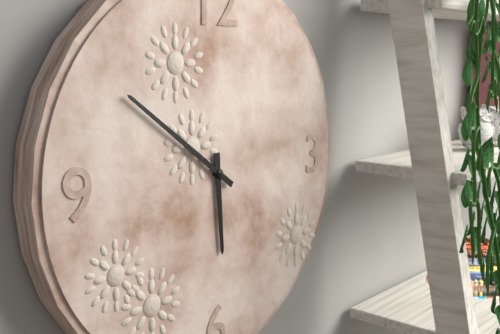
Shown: 5:51
